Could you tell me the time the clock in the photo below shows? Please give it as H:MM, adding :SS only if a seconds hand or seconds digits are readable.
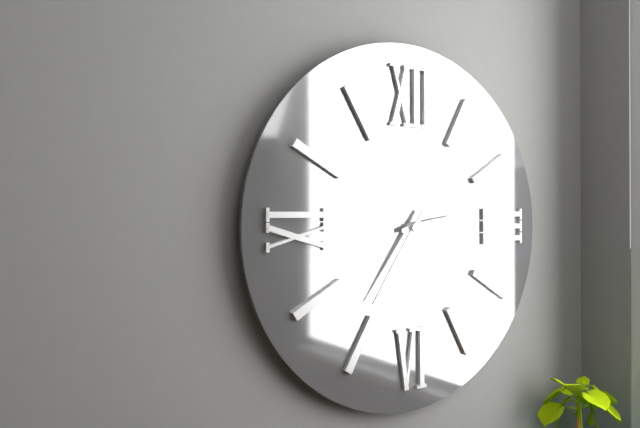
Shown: 2:36
